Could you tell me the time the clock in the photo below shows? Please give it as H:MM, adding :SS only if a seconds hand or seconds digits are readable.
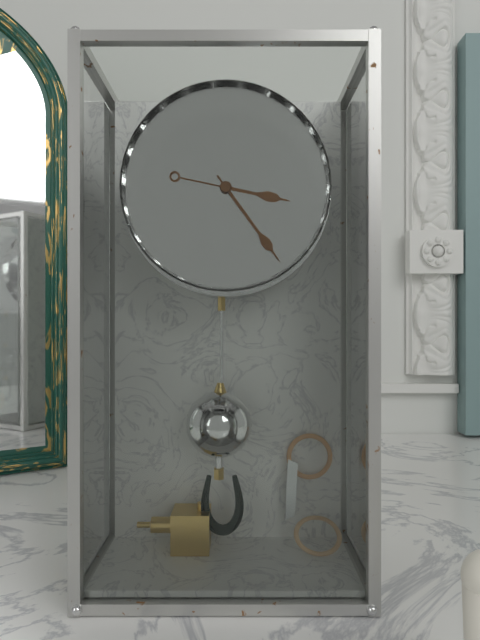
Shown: 3:24
